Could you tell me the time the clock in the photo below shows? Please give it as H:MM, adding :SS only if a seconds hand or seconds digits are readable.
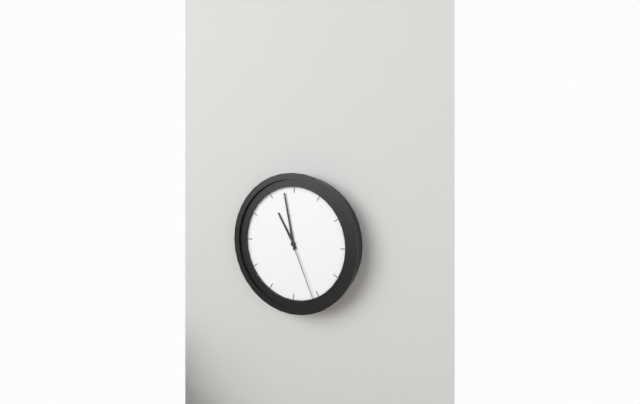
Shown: 10:58:26
